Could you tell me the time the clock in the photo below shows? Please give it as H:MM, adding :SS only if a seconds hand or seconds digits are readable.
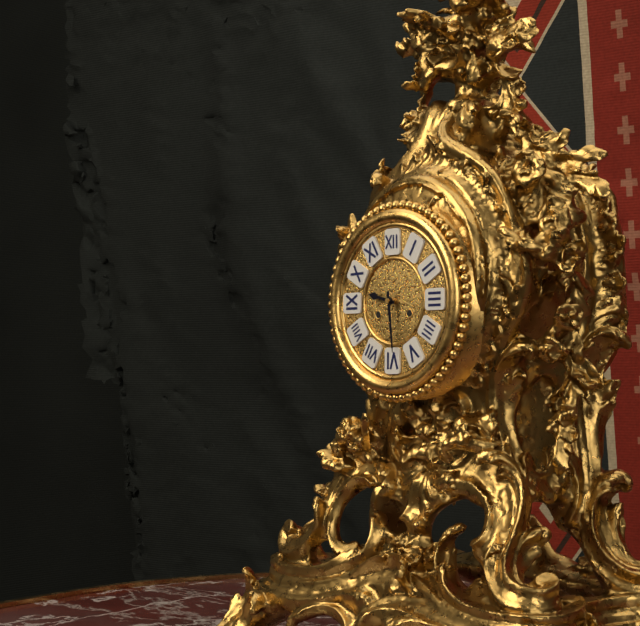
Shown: 9:29
